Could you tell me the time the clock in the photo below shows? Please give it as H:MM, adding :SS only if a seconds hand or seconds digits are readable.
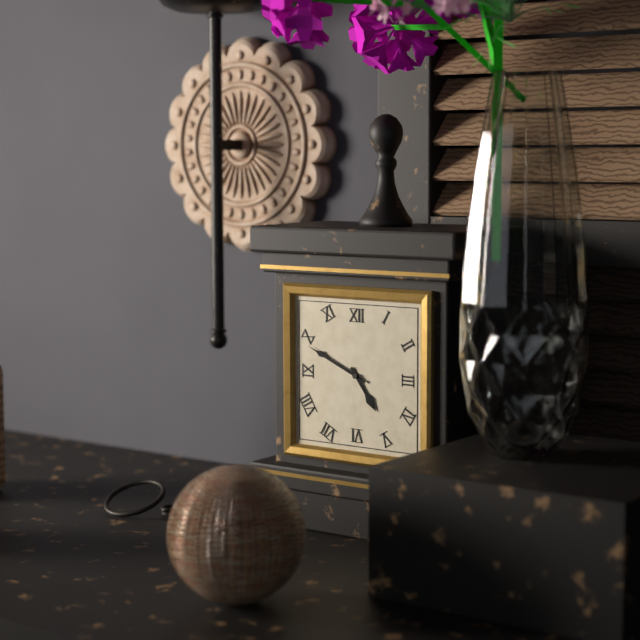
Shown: 4:49
